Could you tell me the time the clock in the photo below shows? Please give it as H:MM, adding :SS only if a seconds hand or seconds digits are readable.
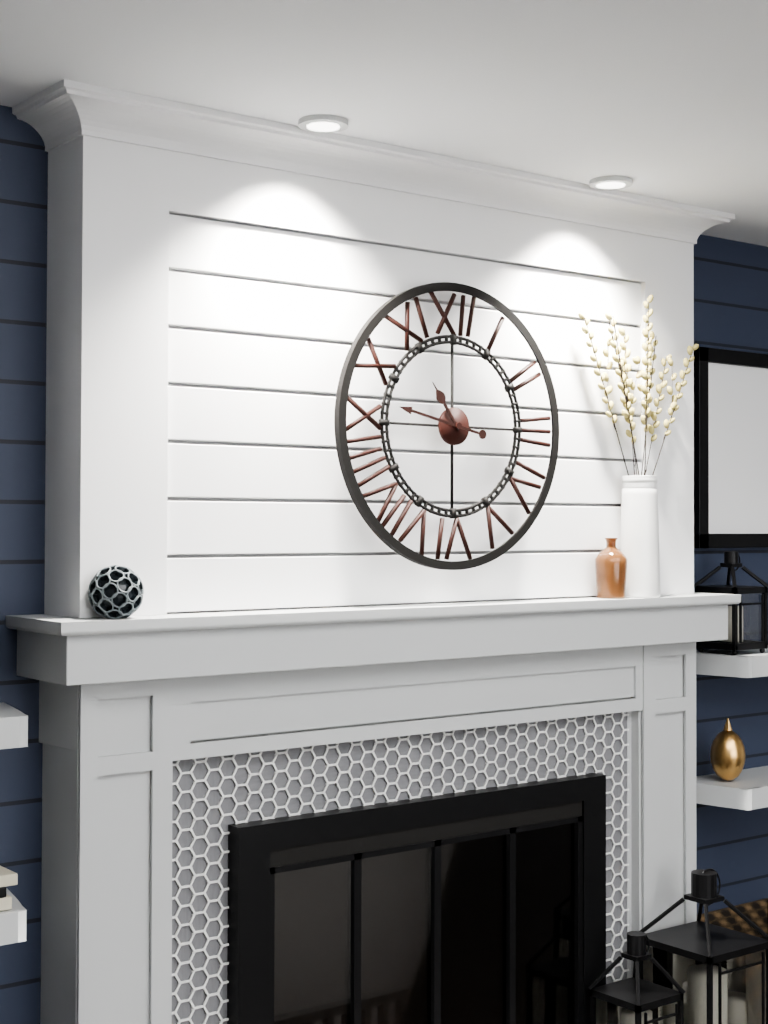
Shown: 10:47
